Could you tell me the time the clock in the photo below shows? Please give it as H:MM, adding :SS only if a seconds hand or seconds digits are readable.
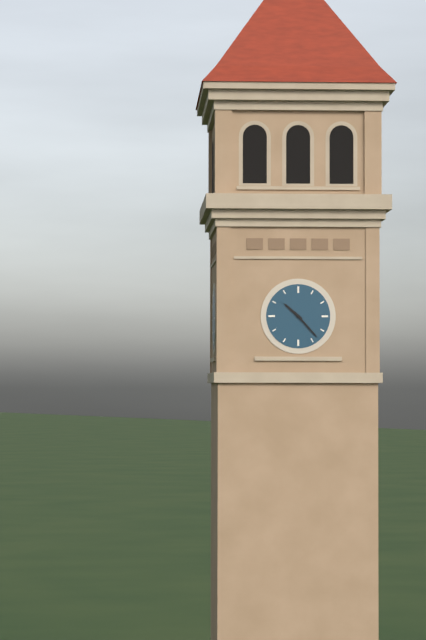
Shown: 10:23
